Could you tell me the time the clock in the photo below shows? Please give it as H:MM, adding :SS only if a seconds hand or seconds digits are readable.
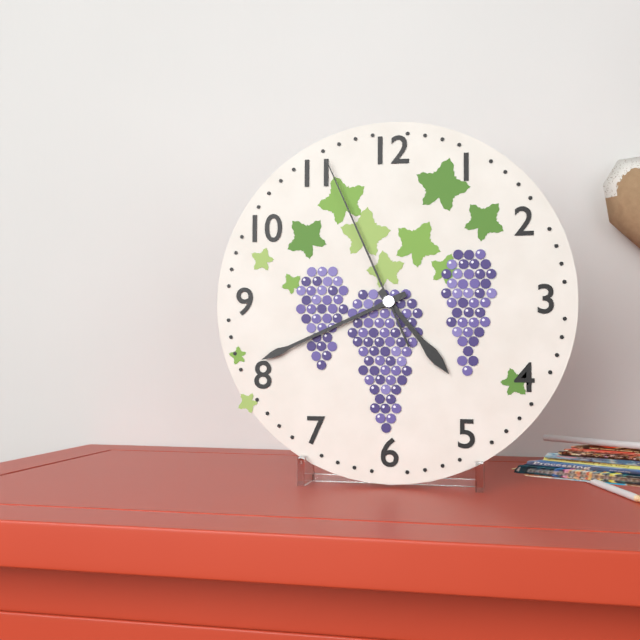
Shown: 4:41:56
